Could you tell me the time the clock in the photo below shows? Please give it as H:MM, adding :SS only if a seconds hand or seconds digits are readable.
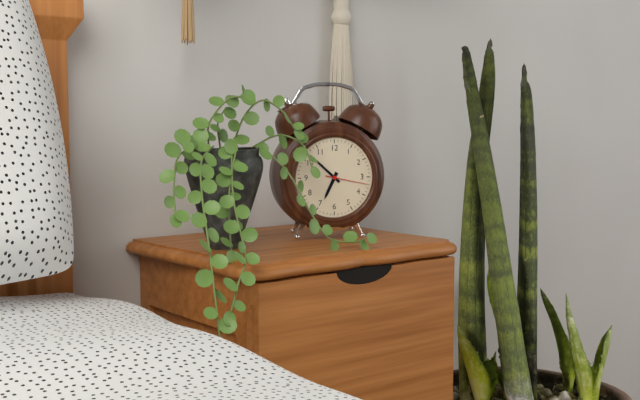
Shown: 6:52
